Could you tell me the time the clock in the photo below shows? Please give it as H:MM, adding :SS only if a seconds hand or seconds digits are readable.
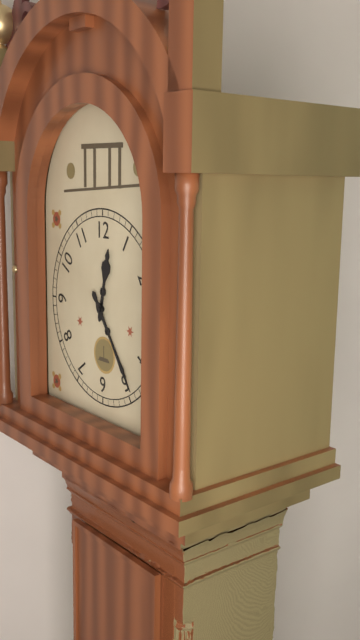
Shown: 12:24
